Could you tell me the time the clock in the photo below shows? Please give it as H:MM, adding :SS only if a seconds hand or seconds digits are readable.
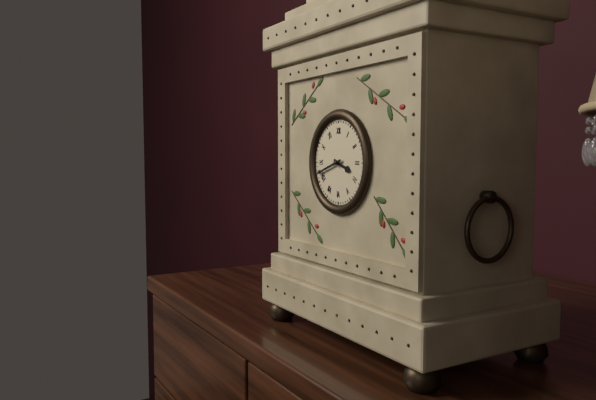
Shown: 3:42
